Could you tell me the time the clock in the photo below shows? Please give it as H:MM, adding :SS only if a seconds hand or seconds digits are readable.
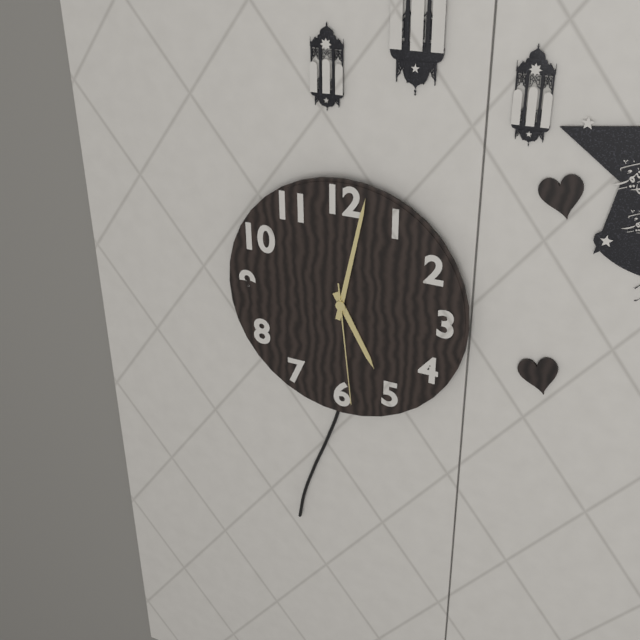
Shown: 5:02:29
